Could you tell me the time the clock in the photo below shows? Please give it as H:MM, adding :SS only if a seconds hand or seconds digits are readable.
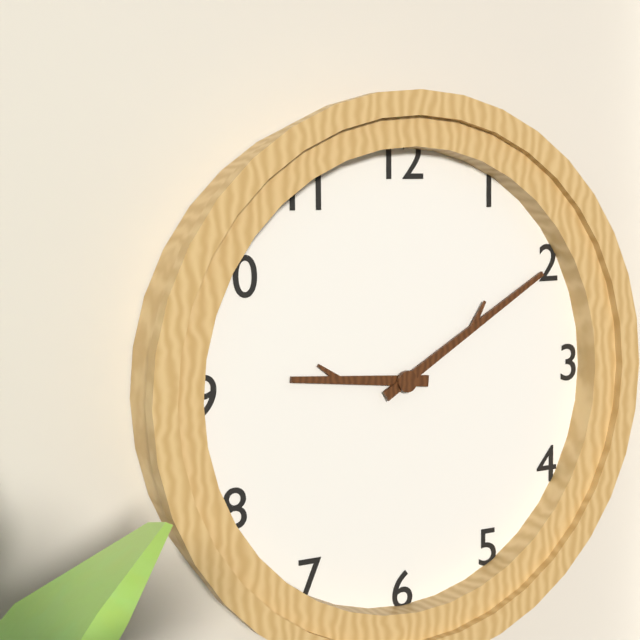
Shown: 9:10
